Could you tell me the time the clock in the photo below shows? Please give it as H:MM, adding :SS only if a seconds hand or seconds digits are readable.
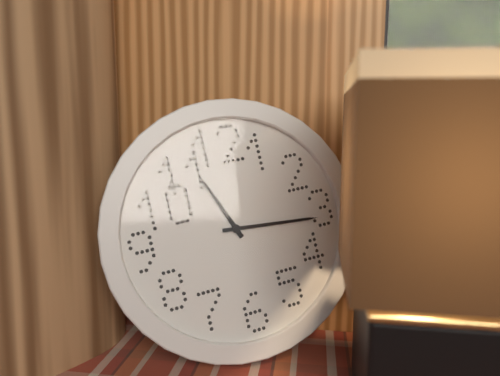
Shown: 11:16
